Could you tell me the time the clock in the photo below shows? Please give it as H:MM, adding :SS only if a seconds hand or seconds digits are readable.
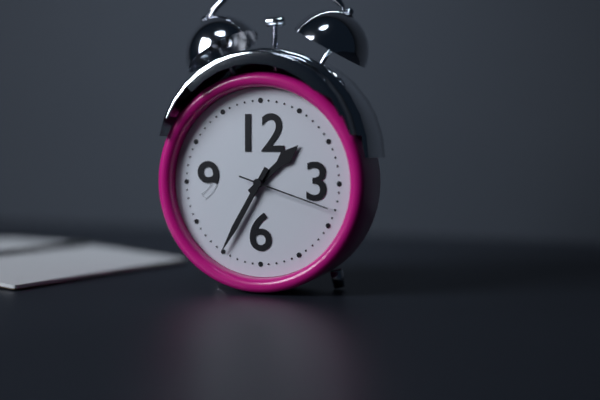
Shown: 1:35:18
